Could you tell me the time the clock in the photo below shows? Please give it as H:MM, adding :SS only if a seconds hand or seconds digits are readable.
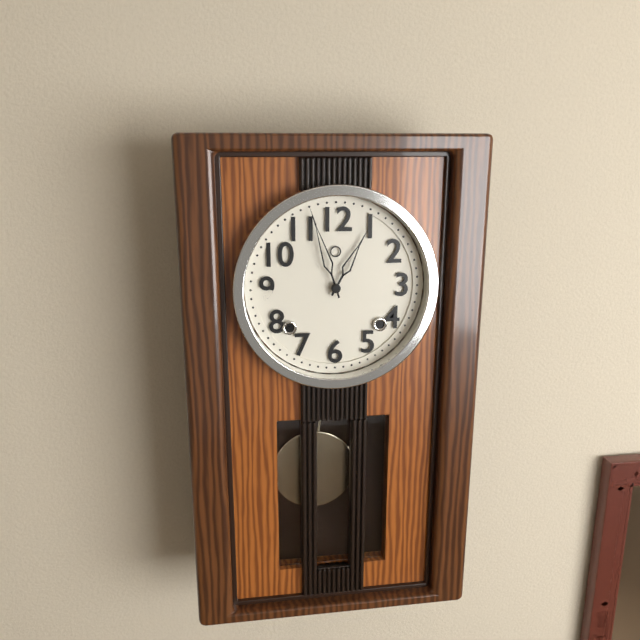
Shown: 12:57
